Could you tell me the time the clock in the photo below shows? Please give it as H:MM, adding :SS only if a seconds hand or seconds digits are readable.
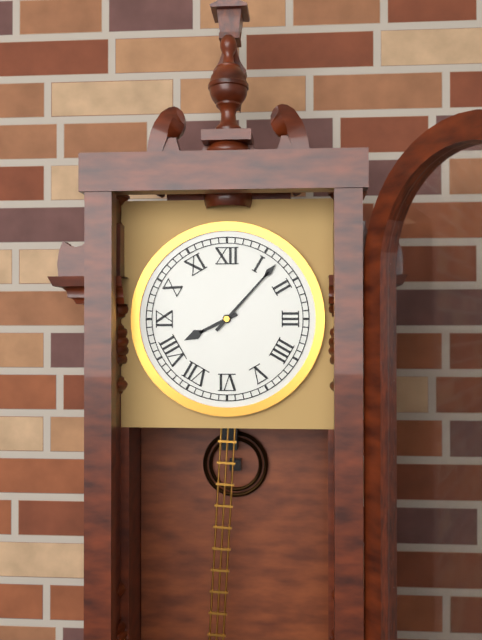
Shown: 8:07
